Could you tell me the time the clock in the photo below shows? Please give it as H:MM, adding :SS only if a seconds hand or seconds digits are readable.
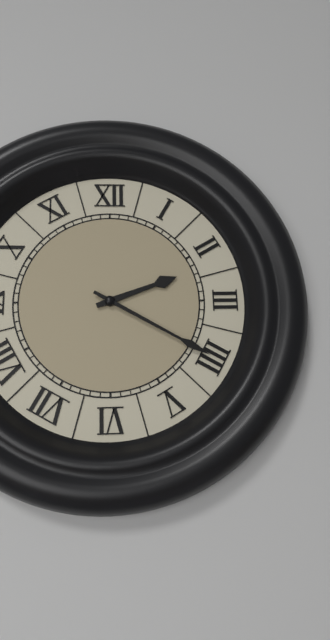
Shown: 2:20
